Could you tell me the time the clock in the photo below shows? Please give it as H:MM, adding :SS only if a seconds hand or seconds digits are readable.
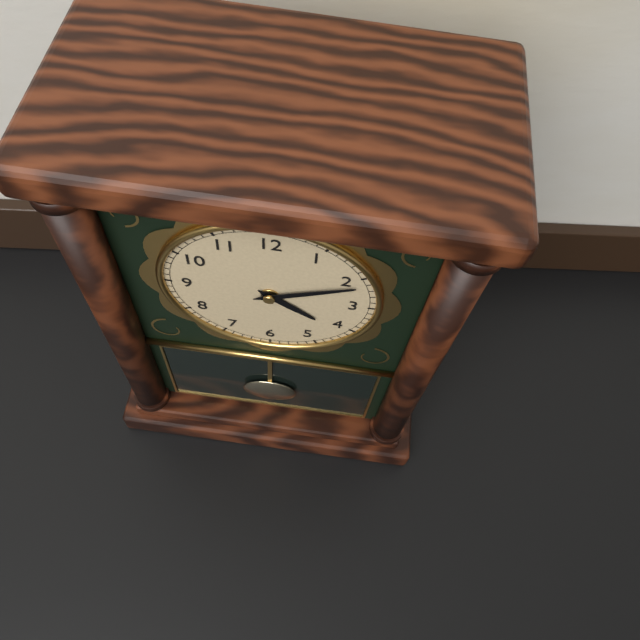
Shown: 4:11
